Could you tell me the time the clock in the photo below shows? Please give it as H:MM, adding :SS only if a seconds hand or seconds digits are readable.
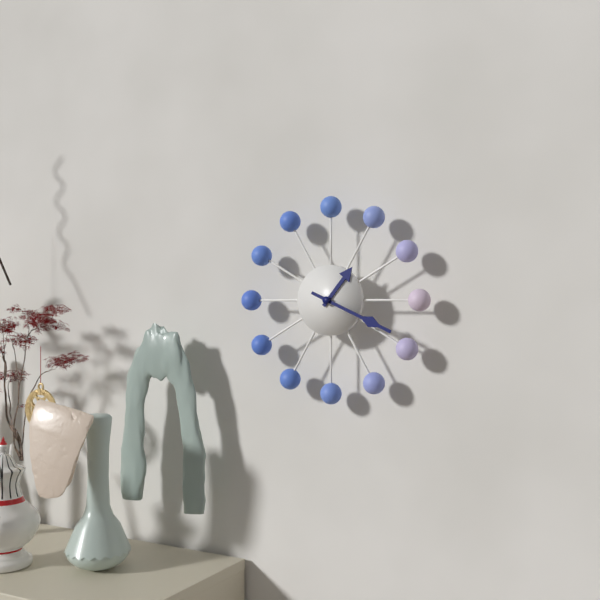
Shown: 1:19
